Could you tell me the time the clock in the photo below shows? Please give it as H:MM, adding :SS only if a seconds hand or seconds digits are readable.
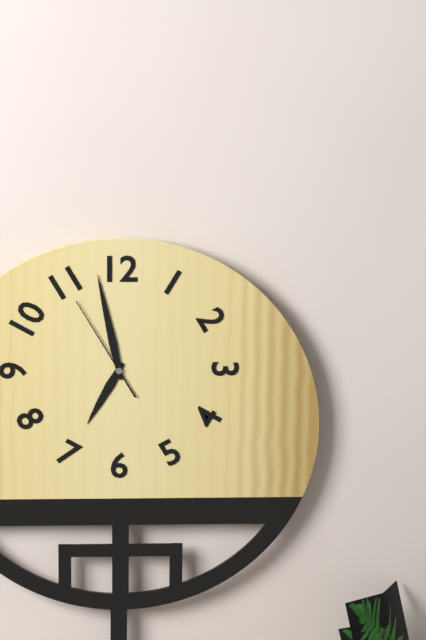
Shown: 6:58:55
